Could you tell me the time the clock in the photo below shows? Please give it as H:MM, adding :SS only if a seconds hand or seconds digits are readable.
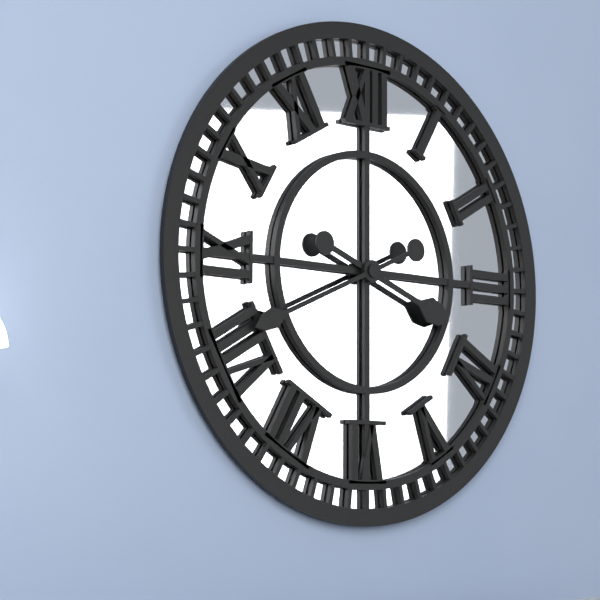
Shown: 3:41
